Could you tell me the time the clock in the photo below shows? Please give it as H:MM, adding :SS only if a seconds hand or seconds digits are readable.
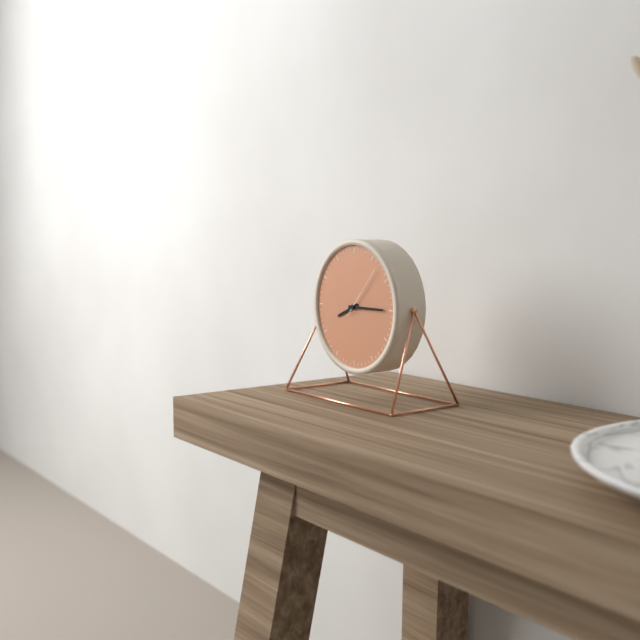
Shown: 8:15:07
